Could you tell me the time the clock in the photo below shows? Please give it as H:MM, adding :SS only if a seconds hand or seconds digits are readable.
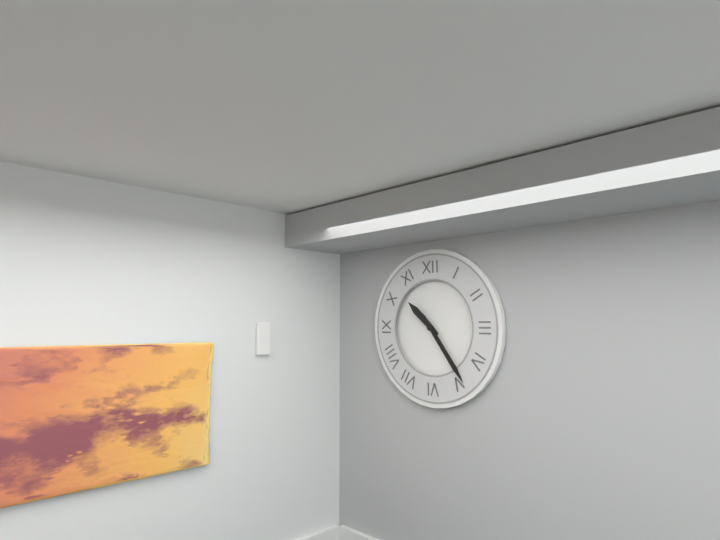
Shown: 10:24
